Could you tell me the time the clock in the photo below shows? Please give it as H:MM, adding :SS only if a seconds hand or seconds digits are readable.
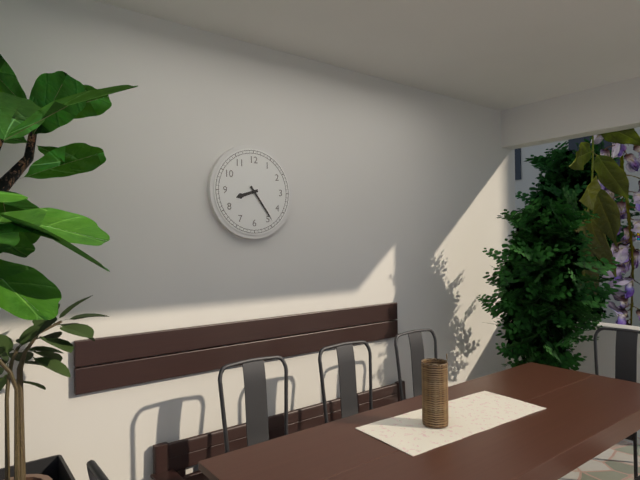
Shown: 8:24
